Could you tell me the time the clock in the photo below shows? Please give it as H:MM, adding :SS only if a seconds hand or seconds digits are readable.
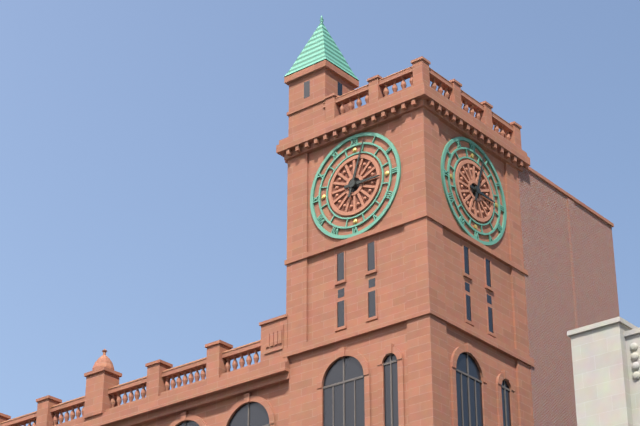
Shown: 3:03
